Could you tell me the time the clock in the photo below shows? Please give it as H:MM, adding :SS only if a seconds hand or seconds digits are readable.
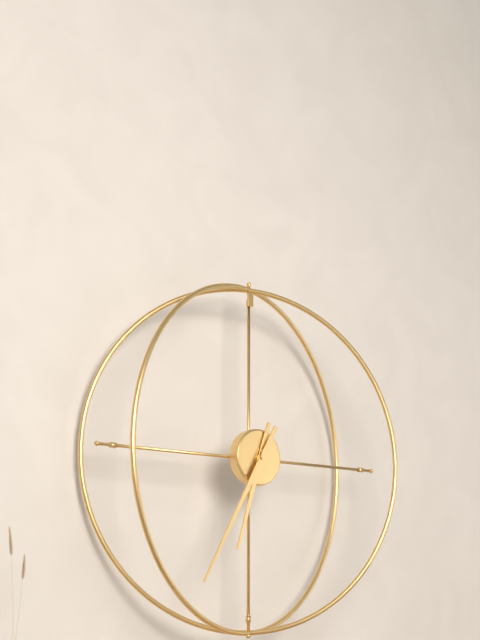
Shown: 6:35
